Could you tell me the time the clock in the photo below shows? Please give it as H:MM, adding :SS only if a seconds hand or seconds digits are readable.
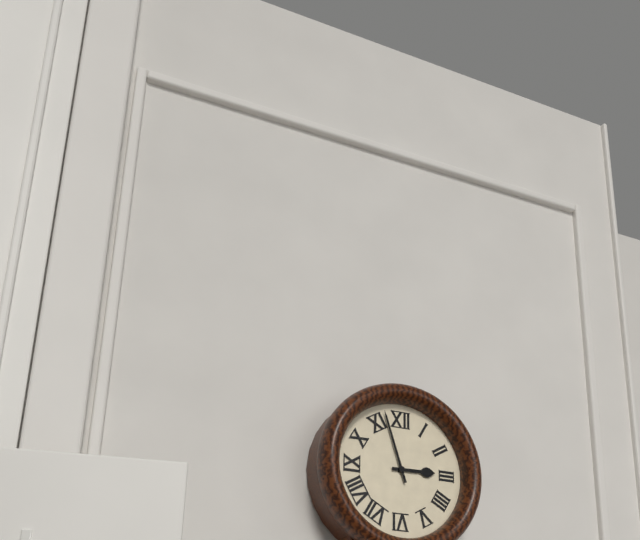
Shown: 2:57
